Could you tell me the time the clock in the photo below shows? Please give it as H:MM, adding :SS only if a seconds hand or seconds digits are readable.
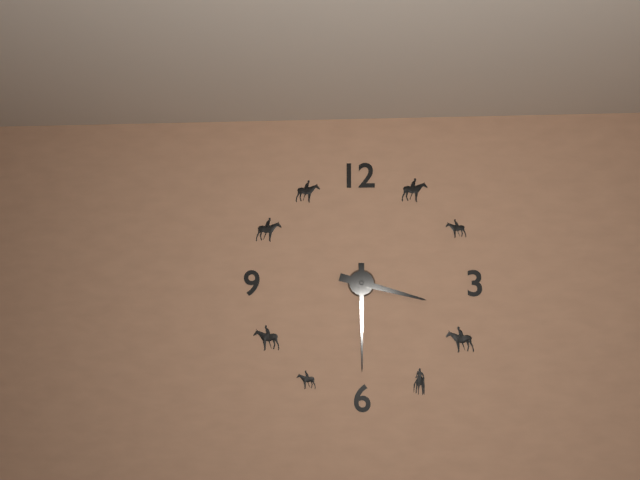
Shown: 3:30
